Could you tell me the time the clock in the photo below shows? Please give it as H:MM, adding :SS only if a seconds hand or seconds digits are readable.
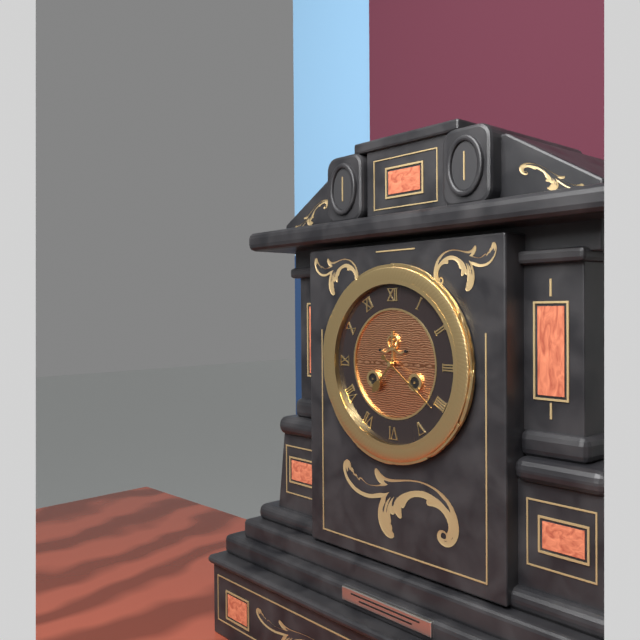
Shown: 7:21
